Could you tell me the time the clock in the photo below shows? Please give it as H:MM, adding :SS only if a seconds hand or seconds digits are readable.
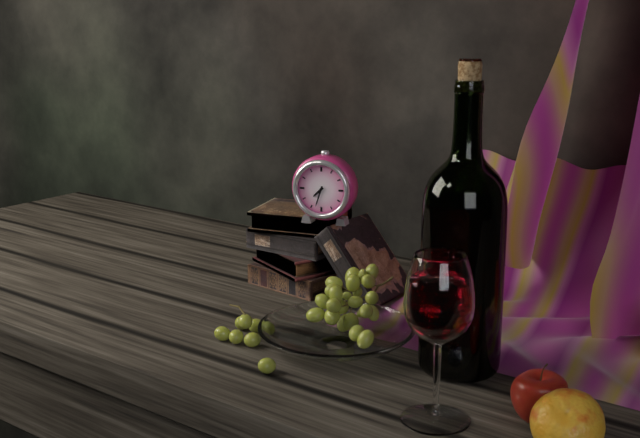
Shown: 7:33
